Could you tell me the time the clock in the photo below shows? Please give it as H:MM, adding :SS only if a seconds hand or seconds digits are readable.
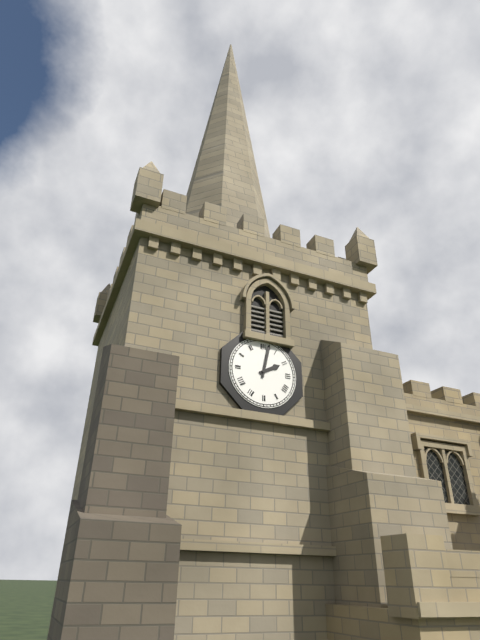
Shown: 2:02
